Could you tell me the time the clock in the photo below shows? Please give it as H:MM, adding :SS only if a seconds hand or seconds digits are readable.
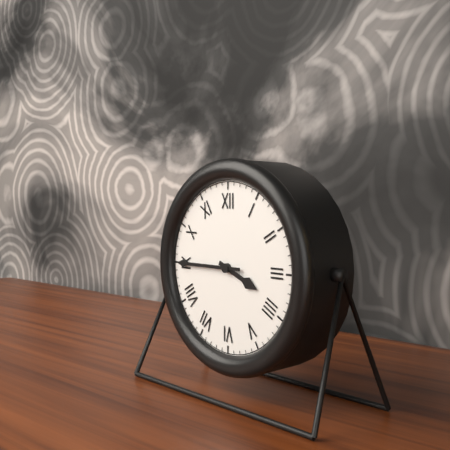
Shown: 3:45
